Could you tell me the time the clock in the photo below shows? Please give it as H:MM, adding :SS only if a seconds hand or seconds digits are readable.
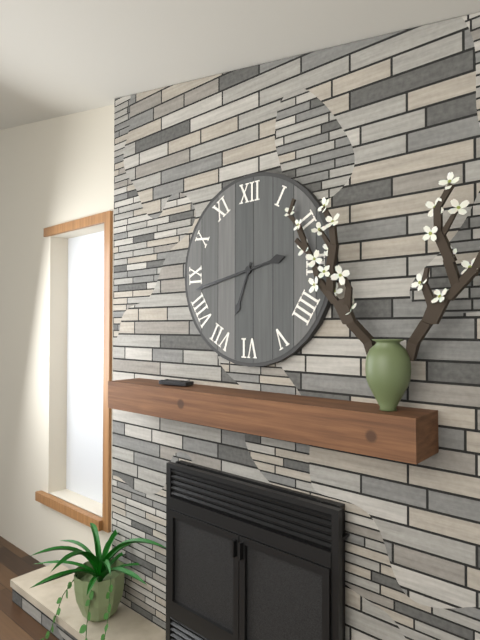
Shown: 6:43
